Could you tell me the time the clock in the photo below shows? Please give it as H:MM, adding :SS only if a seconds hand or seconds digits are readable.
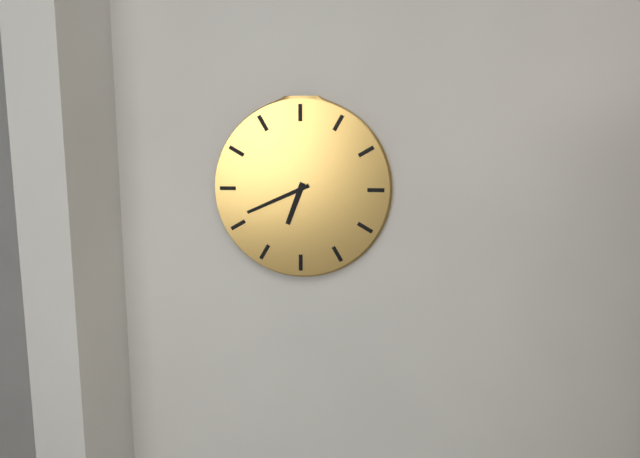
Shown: 6:41
